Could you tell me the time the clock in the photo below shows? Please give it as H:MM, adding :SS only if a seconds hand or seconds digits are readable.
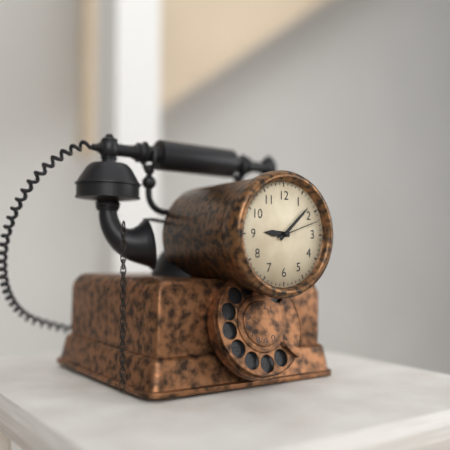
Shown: 9:08
